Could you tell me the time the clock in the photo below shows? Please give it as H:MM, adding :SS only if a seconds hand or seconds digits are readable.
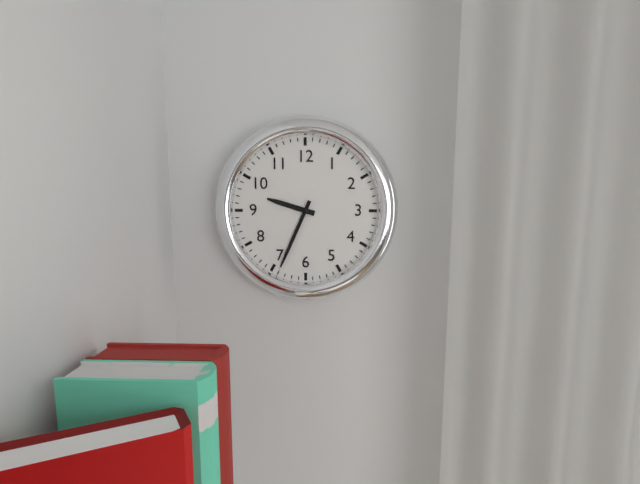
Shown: 9:34
